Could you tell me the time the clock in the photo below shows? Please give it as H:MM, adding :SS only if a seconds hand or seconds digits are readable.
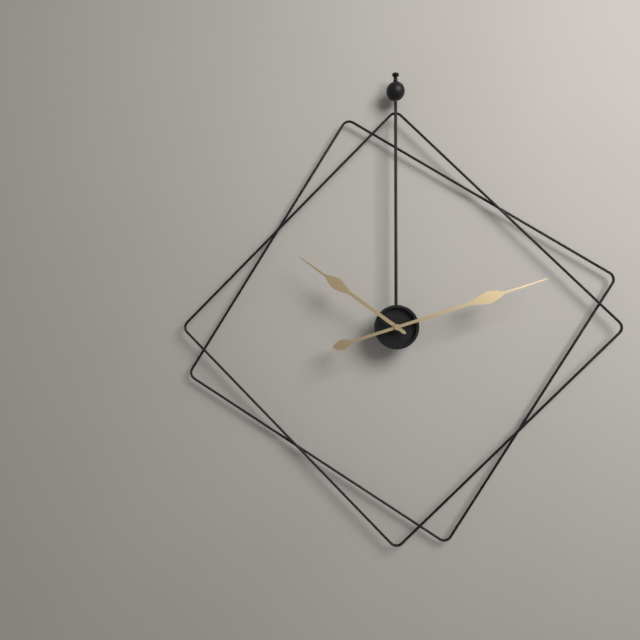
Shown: 10:12
